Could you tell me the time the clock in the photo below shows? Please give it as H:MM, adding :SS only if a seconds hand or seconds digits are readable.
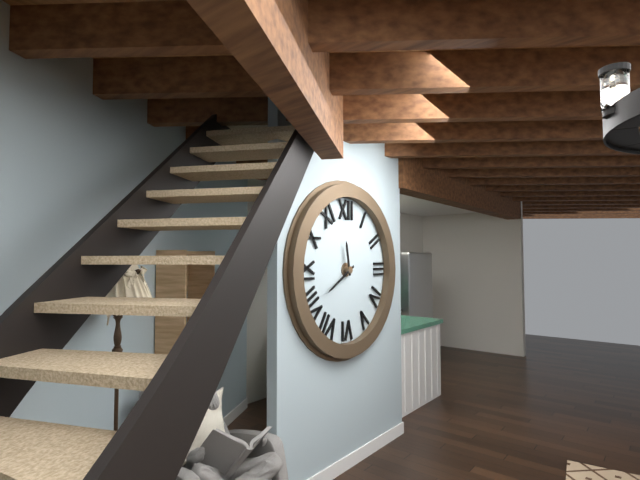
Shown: 11:40
